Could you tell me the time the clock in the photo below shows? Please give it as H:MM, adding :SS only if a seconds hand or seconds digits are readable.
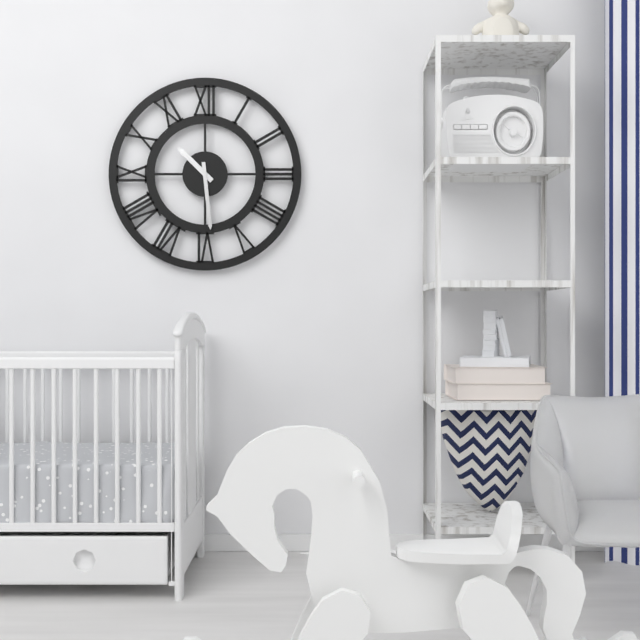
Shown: 10:29
